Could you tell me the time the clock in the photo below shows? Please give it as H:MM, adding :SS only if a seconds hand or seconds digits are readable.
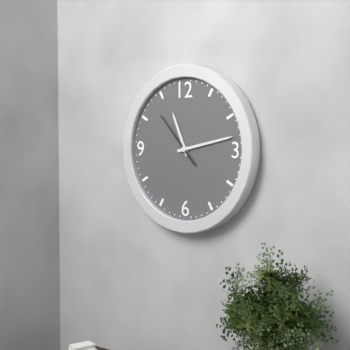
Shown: 11:13:53
